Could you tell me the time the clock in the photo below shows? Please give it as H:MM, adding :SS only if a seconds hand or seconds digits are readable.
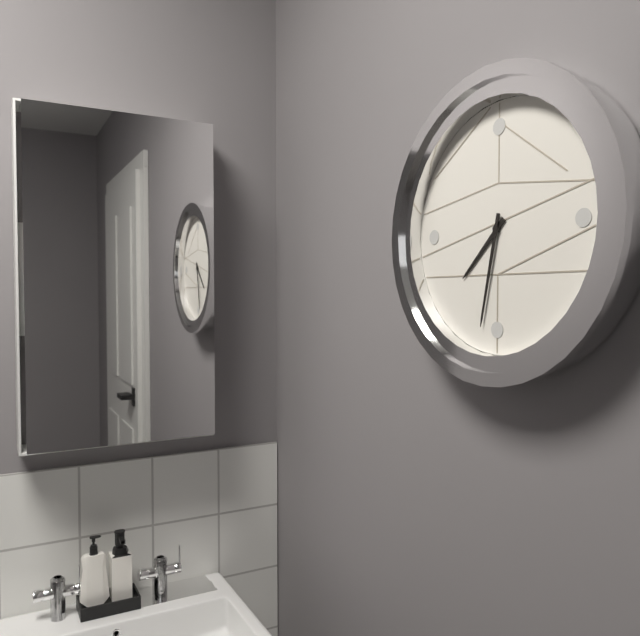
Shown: 7:32
